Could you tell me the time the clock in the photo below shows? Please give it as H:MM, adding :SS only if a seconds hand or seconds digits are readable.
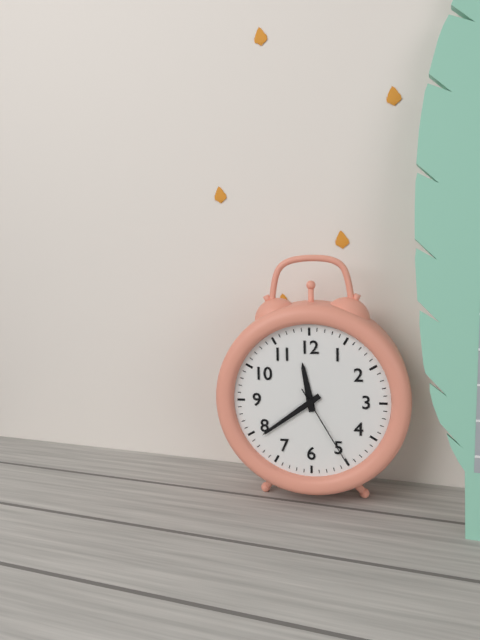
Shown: 11:39:25
